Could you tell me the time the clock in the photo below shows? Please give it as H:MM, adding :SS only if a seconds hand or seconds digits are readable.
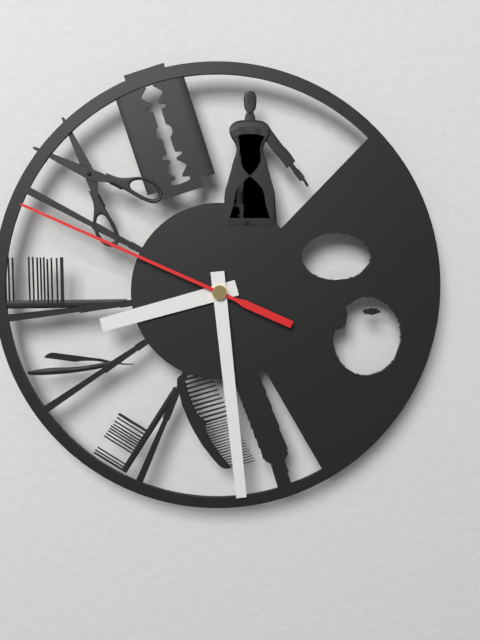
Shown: 8:29:49
